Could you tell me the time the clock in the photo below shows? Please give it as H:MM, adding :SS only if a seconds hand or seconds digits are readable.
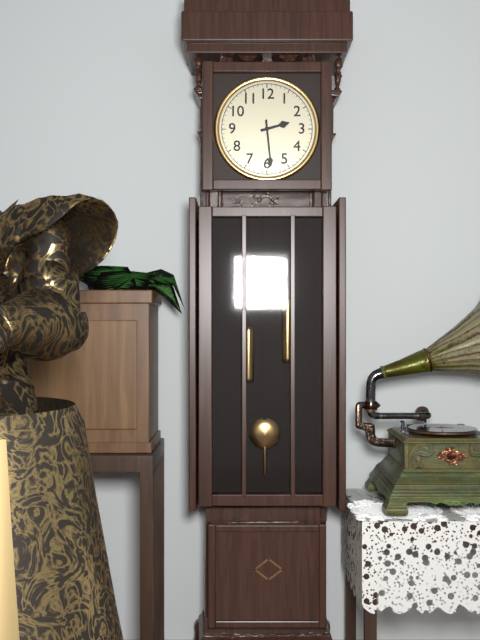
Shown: 2:29
